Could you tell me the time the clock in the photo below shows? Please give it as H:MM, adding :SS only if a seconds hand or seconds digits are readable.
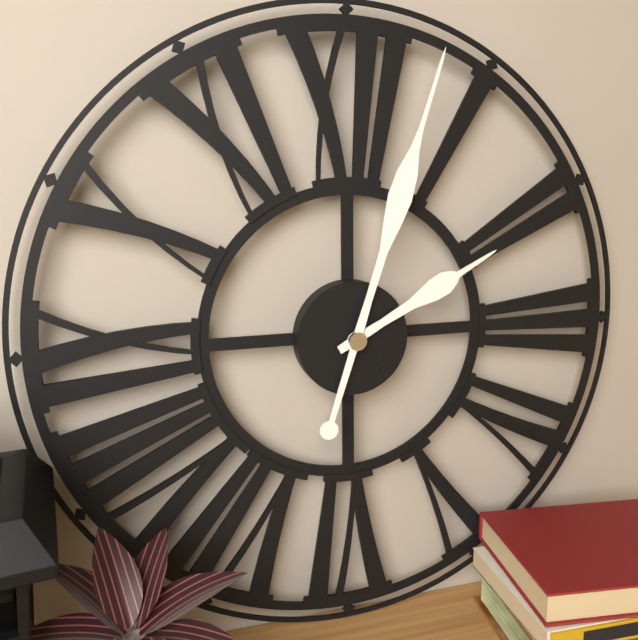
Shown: 2:03
